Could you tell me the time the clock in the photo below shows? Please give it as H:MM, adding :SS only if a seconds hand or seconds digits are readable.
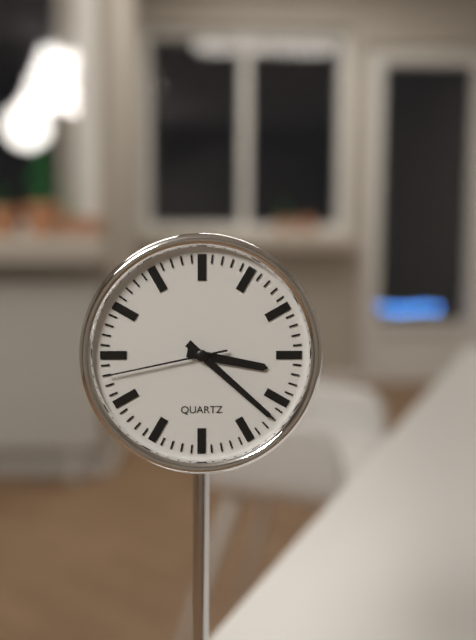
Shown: 3:22:43
